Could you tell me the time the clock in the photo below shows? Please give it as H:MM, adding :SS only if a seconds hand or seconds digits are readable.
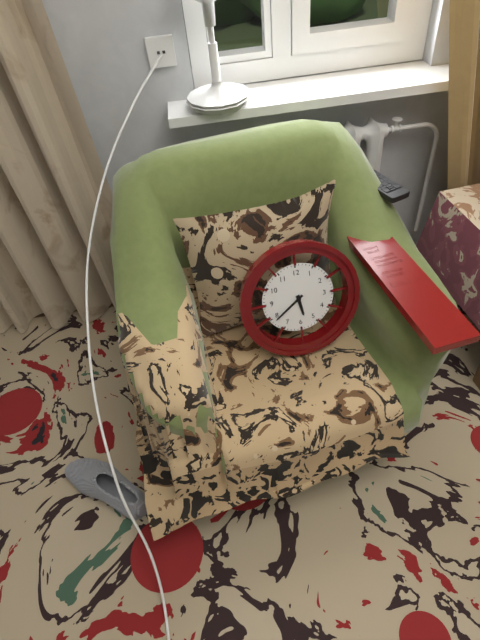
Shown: 5:39
